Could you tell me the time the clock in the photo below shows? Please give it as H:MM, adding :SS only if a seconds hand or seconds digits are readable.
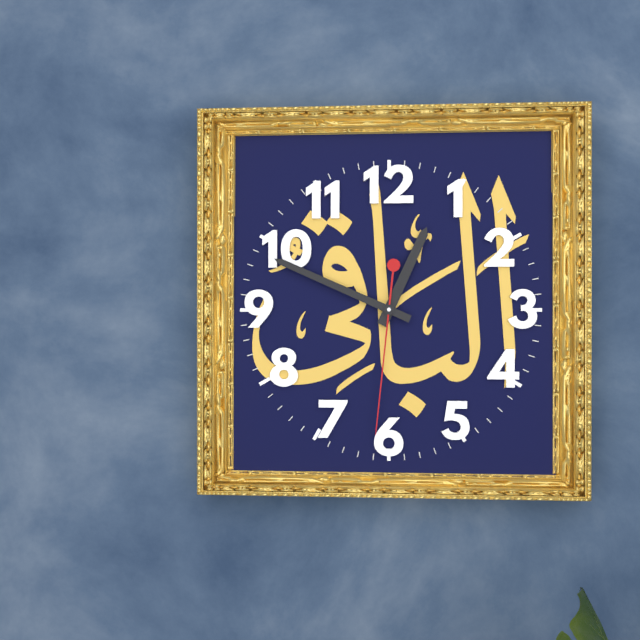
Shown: 12:49:31
